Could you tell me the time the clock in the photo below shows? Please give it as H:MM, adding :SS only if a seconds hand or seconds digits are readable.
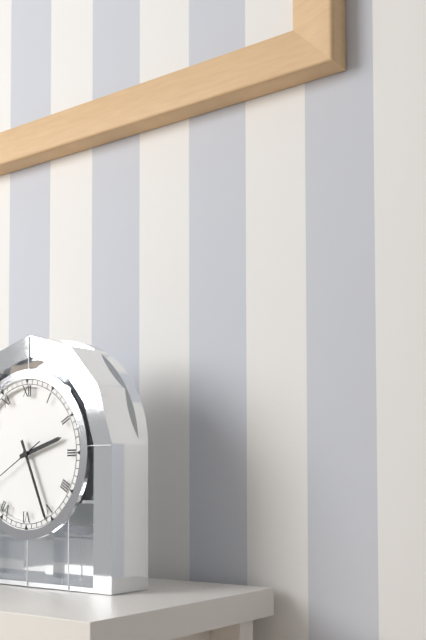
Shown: 2:26
